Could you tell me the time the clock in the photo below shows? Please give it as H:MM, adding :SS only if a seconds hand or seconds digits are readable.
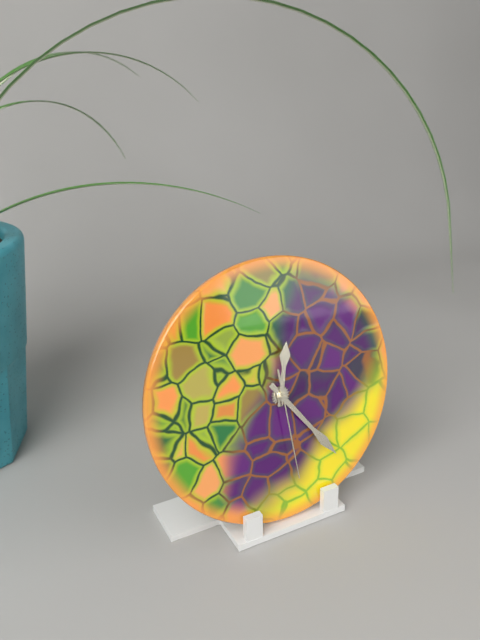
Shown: 12:24:29
